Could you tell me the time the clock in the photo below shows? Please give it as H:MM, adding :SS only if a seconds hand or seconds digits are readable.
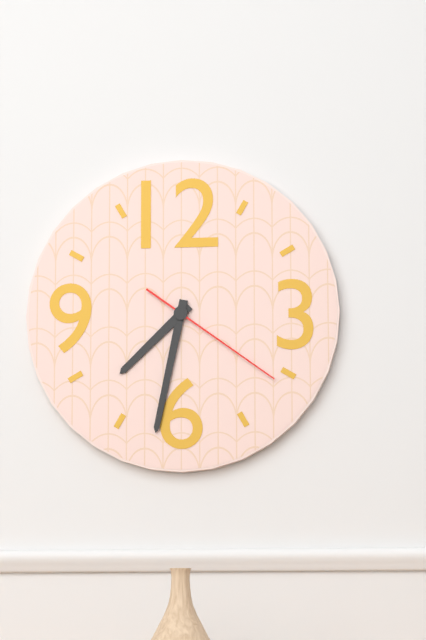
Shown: 7:32:21
